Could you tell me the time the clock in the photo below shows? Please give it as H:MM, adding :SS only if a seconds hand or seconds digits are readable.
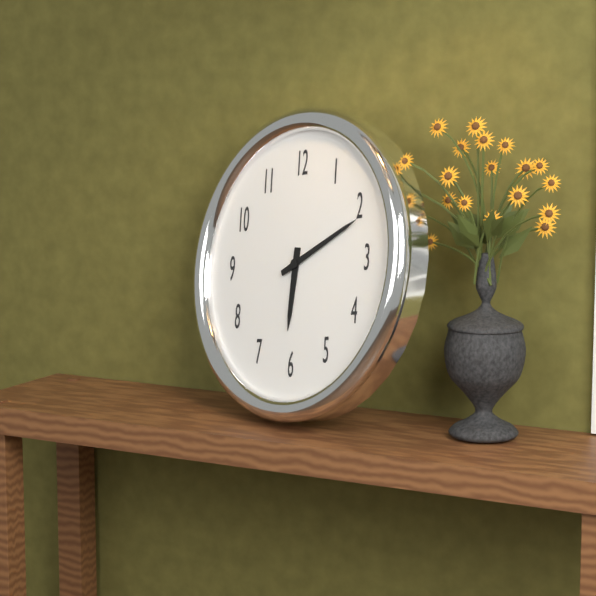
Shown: 6:11
